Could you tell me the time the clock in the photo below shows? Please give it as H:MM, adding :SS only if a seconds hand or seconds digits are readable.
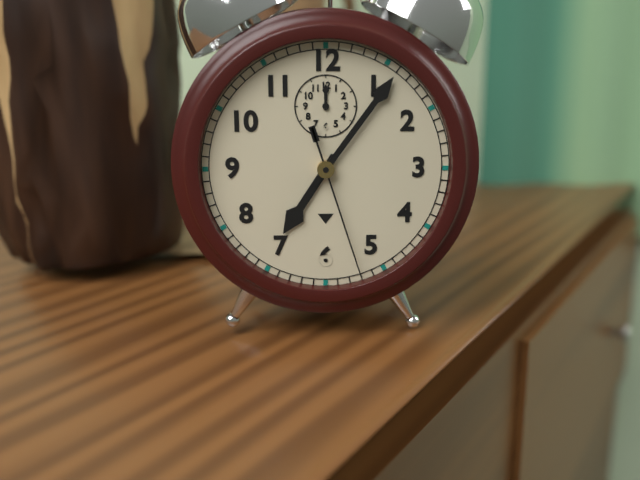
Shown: 7:06:27
